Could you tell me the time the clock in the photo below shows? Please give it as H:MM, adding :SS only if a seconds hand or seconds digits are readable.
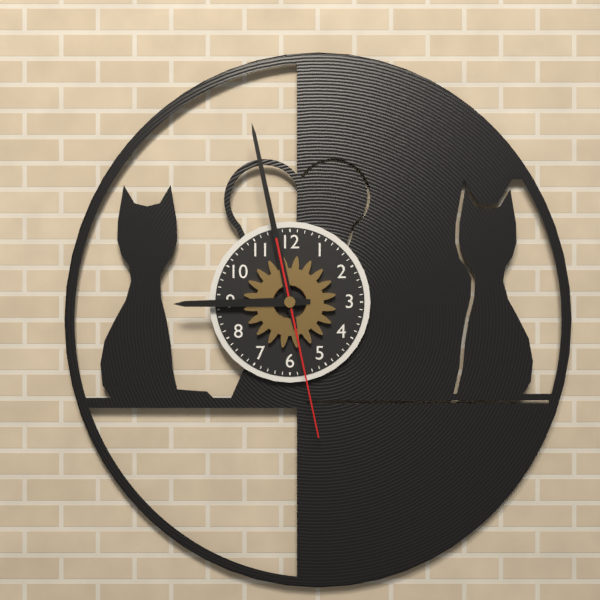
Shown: 8:58:28
